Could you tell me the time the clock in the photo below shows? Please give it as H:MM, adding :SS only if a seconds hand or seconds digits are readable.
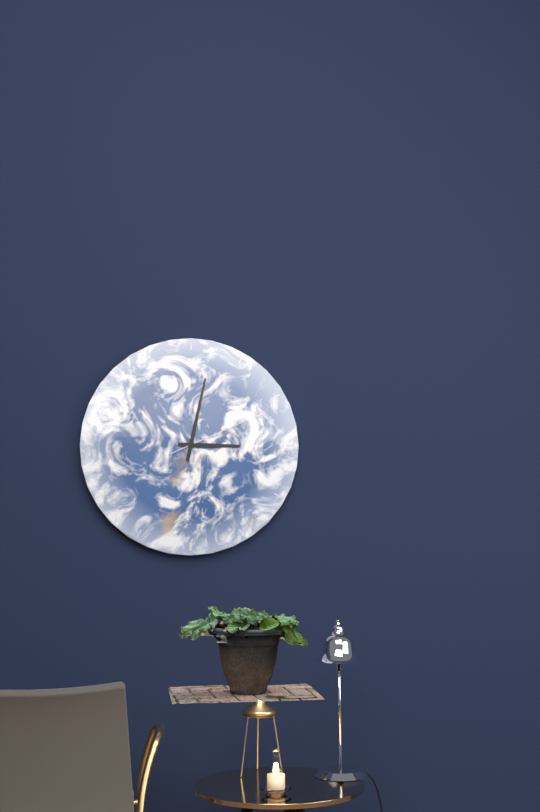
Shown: 3:02:11
